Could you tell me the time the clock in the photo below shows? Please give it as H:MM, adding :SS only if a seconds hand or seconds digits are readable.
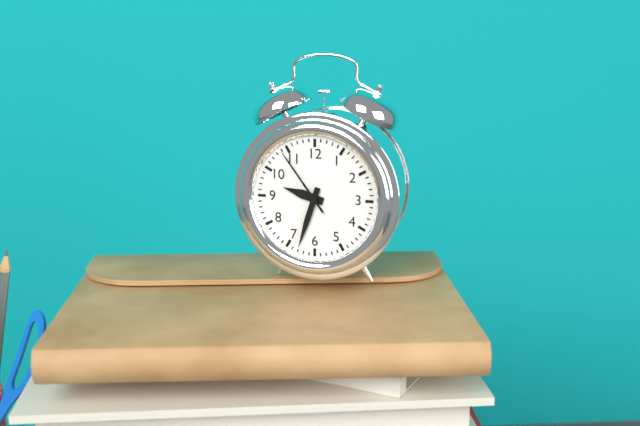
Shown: 9:33:54
